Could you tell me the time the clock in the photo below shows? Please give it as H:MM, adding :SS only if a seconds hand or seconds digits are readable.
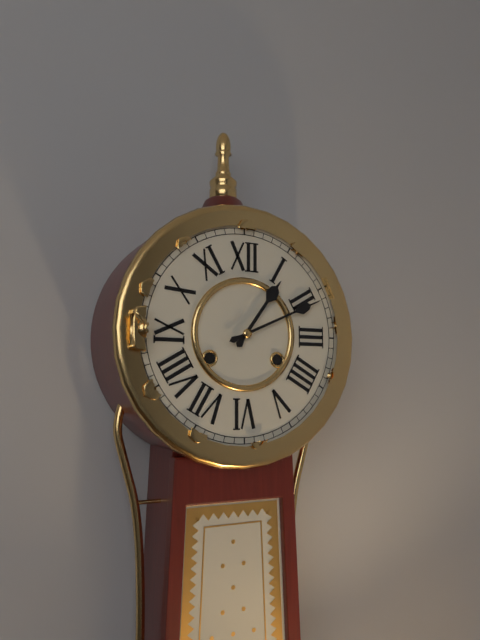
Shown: 1:11
